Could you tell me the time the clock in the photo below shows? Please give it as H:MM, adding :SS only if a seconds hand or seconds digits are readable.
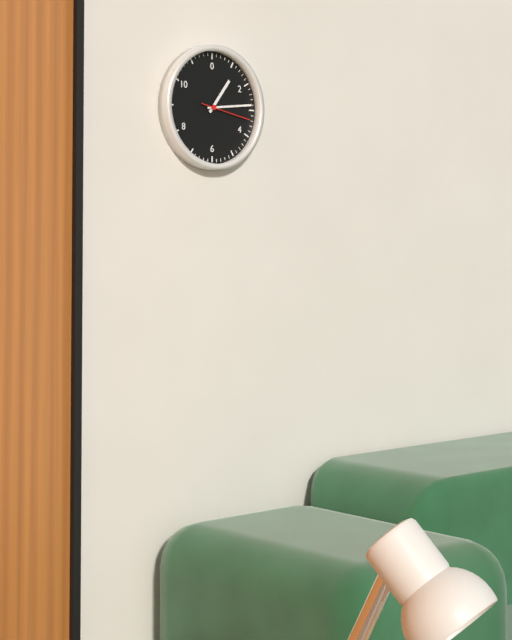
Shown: 1:14
